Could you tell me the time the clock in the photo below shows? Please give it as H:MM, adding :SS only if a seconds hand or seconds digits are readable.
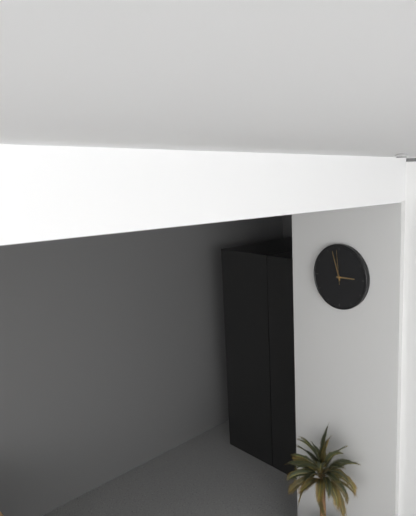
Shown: 2:57
